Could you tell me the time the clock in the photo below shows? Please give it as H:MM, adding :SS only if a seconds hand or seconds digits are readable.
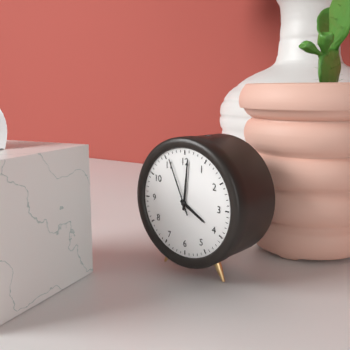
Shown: 4:01:56
